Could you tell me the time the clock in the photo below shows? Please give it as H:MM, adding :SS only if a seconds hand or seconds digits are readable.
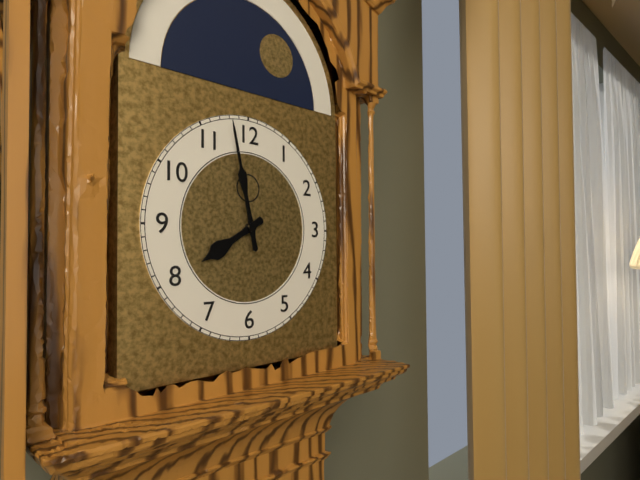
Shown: 7:58
